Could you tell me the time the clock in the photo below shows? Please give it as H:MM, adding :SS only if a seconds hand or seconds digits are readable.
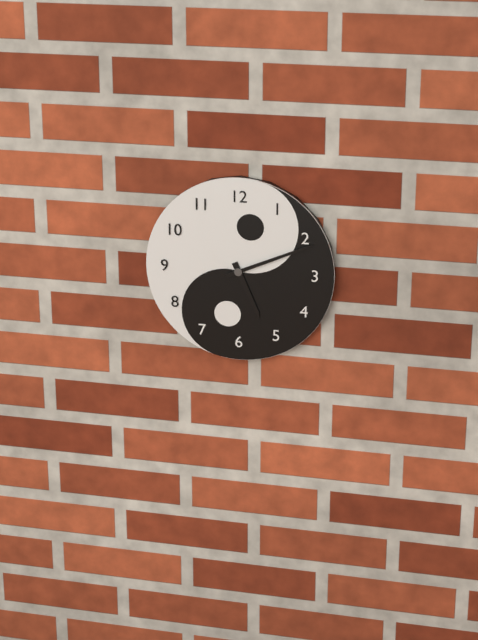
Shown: 5:11
